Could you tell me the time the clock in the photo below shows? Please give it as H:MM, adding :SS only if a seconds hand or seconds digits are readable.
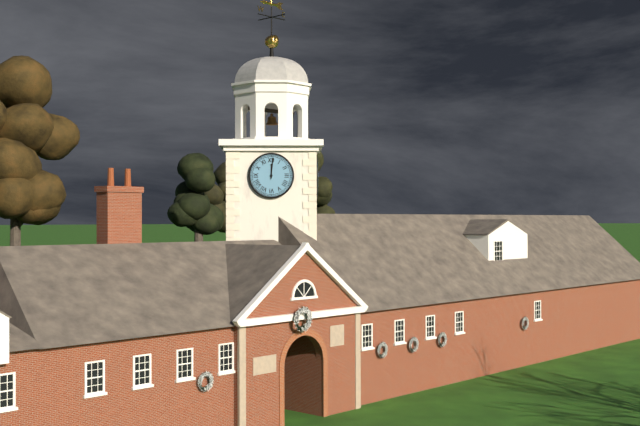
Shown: 12:01
